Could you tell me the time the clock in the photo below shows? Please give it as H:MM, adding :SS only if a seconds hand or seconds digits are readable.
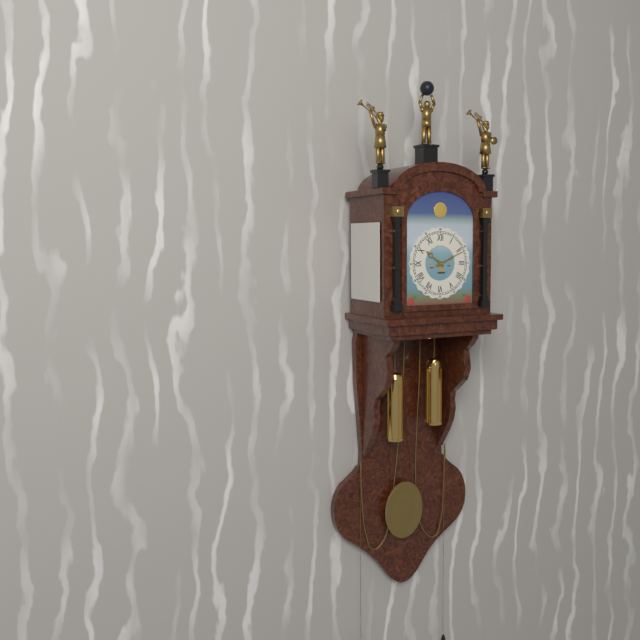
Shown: 10:11
